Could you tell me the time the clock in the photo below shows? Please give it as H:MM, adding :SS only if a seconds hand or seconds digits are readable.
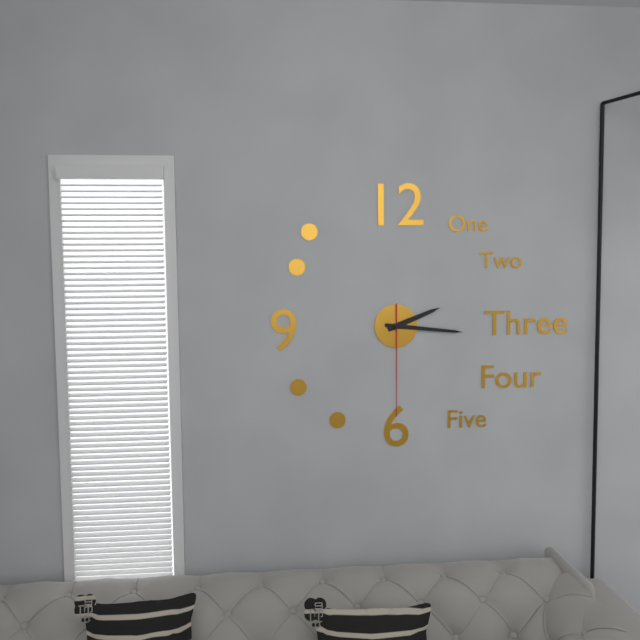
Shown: 2:16:30
